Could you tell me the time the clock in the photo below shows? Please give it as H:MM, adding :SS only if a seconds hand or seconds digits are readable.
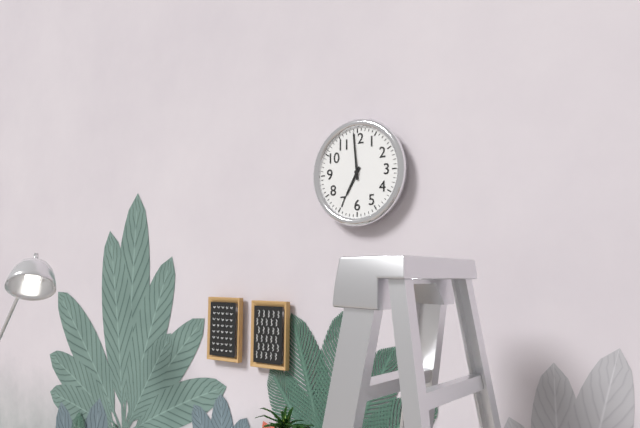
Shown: 6:59
